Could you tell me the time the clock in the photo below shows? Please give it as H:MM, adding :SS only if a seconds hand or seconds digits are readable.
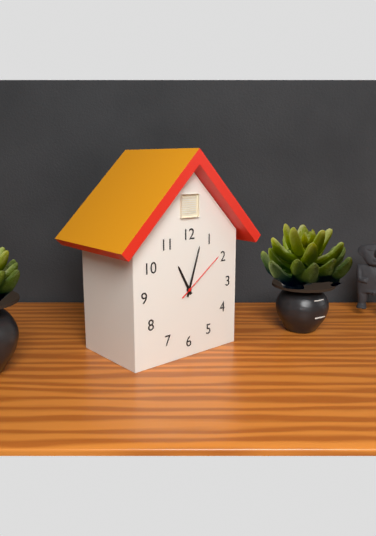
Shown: 11:03:09
